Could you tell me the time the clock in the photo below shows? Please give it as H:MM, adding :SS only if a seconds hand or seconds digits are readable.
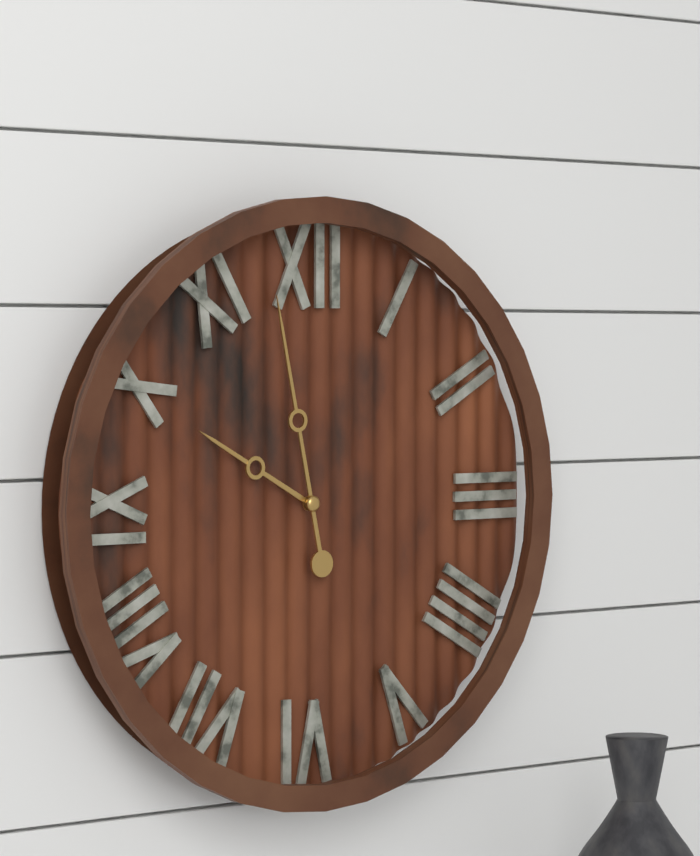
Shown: 9:58
